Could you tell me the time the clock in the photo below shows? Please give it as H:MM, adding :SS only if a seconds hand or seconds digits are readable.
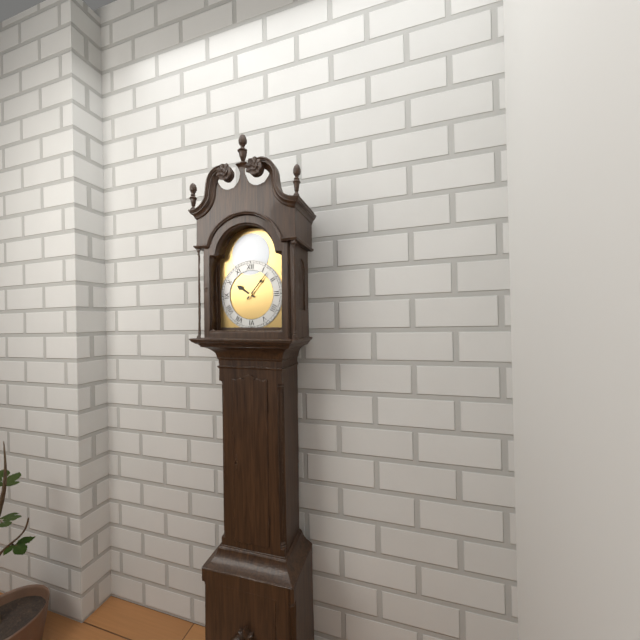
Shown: 10:07
